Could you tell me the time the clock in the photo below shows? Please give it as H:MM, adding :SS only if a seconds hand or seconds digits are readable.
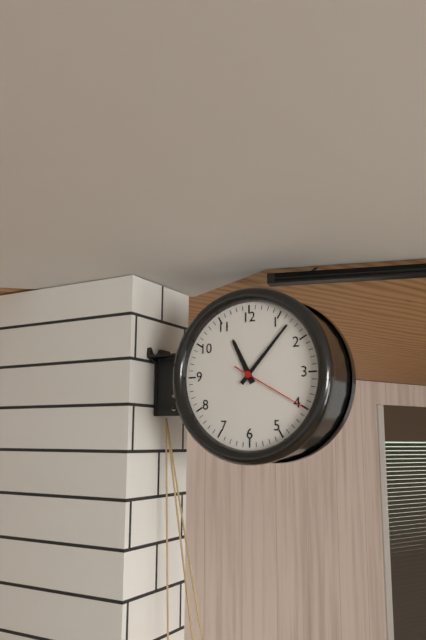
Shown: 11:07:20
